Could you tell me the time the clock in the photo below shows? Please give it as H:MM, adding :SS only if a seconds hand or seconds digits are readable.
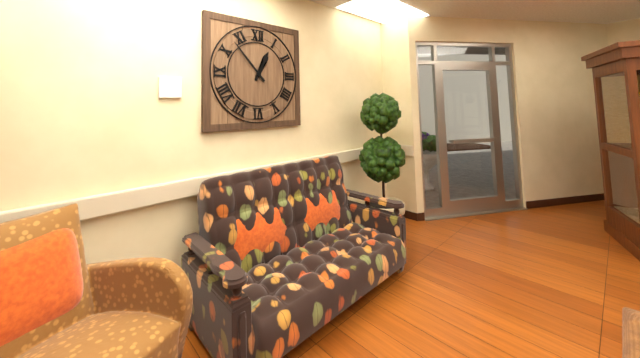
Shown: 12:53
